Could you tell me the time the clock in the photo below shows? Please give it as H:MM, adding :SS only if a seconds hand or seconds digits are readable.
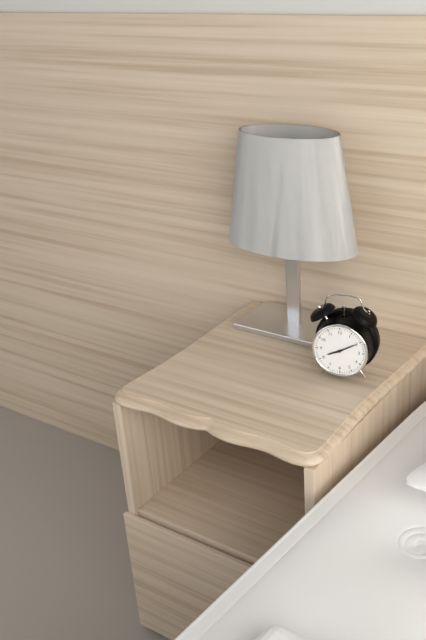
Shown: 8:10
